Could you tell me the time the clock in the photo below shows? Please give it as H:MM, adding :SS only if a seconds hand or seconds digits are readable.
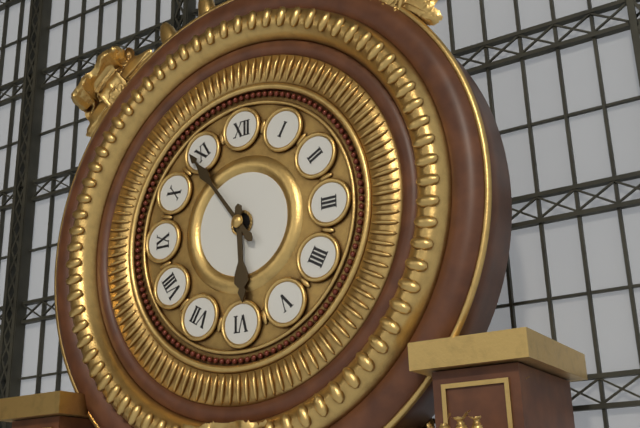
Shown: 5:54
